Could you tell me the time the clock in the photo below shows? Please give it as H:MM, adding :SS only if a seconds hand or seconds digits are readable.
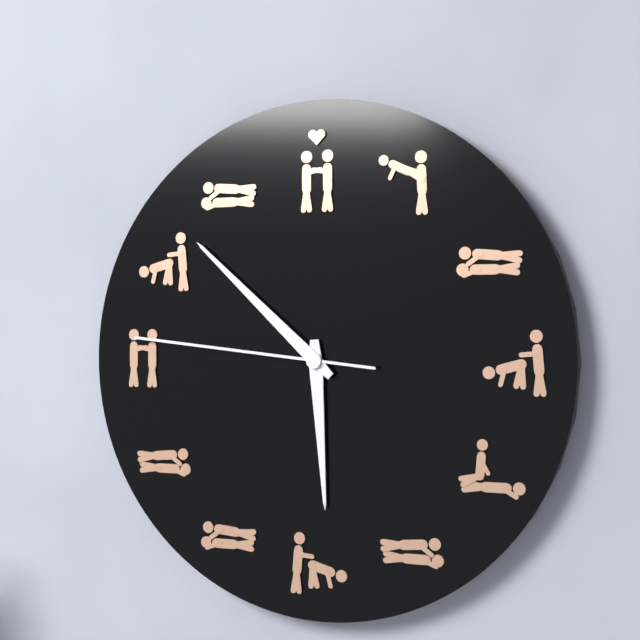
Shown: 5:52:46
